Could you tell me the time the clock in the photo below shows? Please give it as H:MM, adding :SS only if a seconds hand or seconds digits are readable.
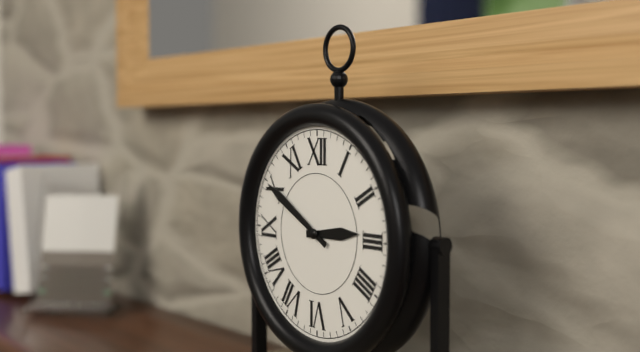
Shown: 2:50
